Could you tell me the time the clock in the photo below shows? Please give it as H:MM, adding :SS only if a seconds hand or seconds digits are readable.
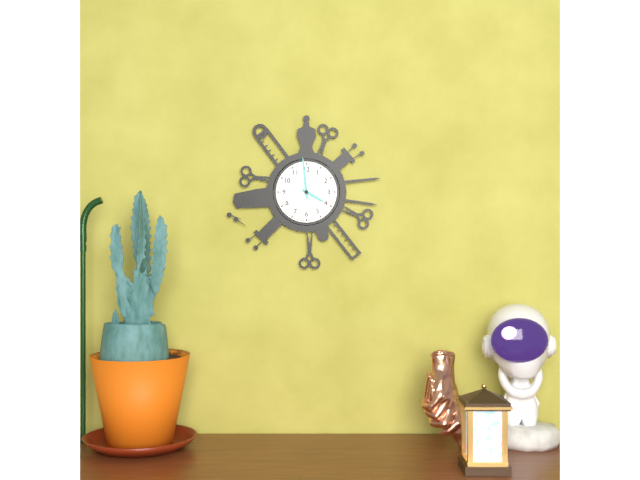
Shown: 3:59
